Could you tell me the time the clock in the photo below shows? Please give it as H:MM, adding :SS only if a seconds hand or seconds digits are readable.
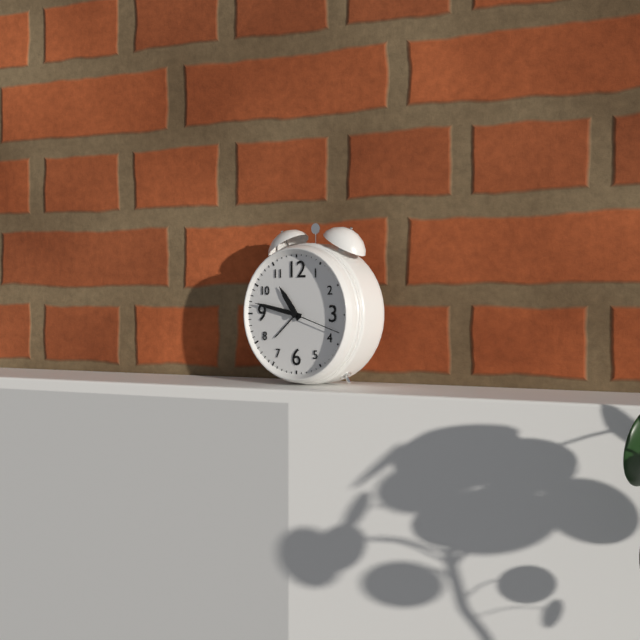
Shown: 10:47:18
